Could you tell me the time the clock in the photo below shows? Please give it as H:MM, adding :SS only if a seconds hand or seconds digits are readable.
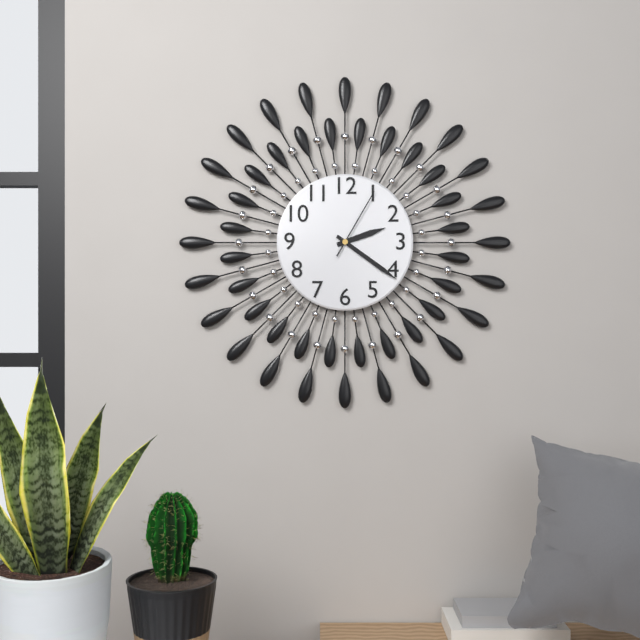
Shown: 2:21:05
